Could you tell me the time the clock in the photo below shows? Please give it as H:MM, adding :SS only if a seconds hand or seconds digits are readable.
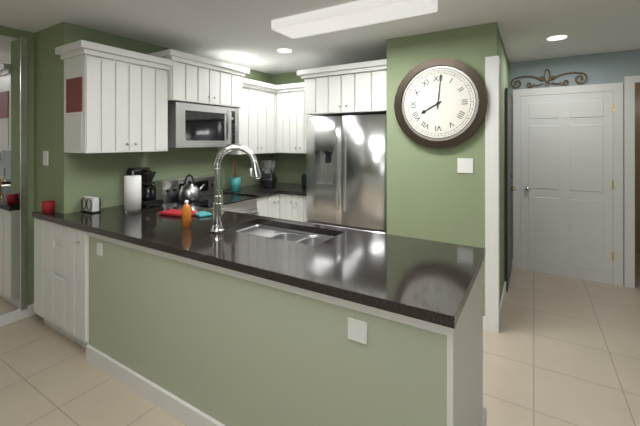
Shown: 8:01
